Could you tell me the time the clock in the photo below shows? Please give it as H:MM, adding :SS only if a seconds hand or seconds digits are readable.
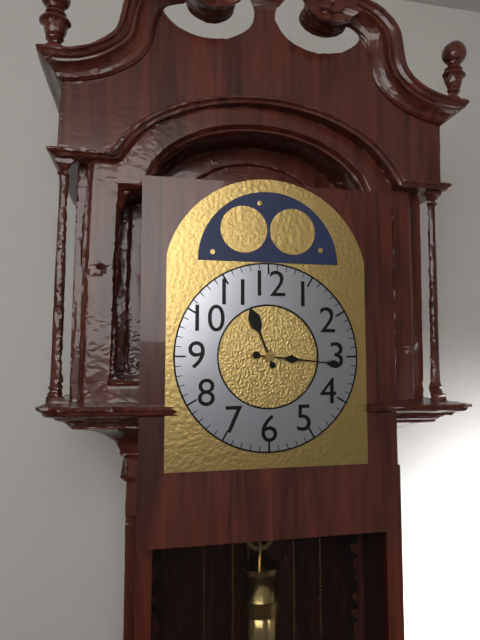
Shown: 11:16
